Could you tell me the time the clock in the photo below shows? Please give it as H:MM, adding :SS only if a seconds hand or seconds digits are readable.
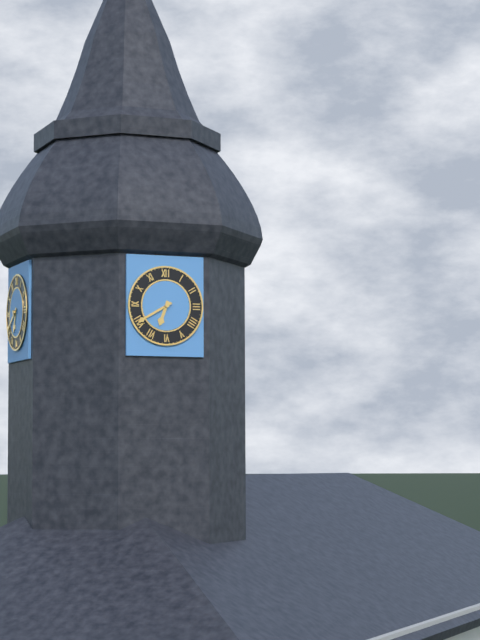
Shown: 6:40
